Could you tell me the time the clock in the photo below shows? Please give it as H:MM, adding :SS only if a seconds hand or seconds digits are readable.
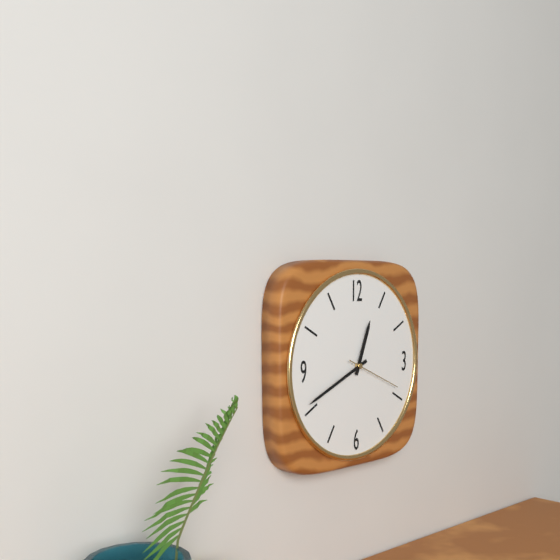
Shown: 12:41:19
